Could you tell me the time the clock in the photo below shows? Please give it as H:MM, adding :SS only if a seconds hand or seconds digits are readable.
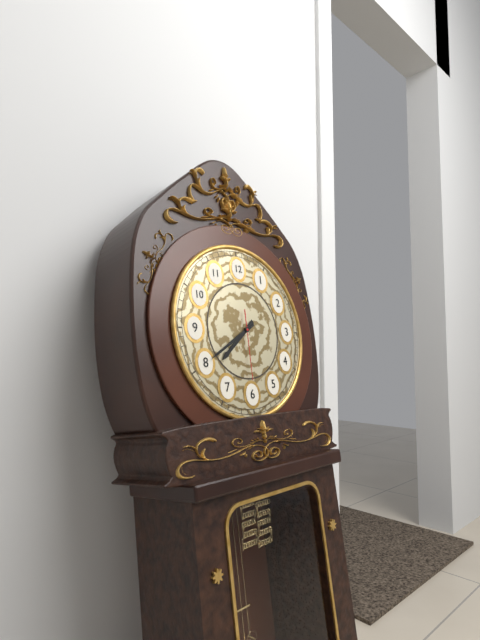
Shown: 7:40:30
